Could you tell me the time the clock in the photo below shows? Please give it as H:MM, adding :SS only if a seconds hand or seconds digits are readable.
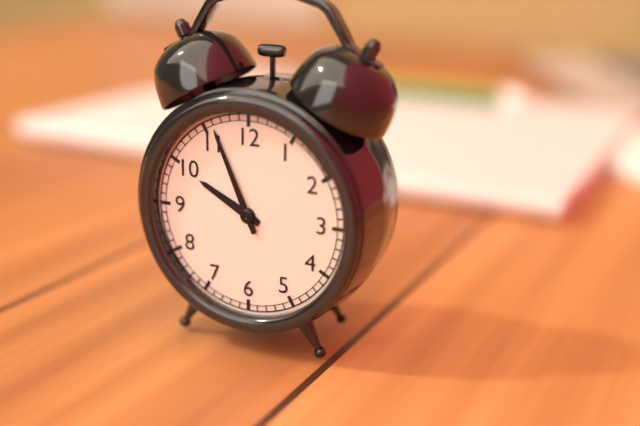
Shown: 9:56
